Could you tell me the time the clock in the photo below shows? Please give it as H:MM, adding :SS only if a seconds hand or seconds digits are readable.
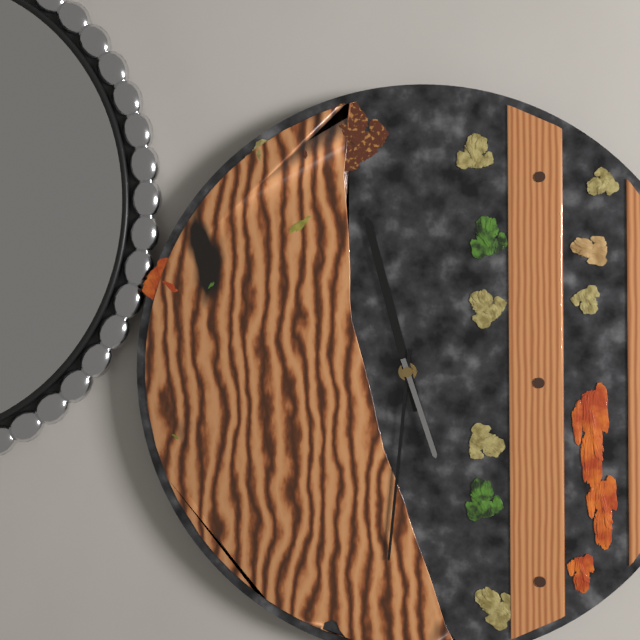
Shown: 11:31:27
